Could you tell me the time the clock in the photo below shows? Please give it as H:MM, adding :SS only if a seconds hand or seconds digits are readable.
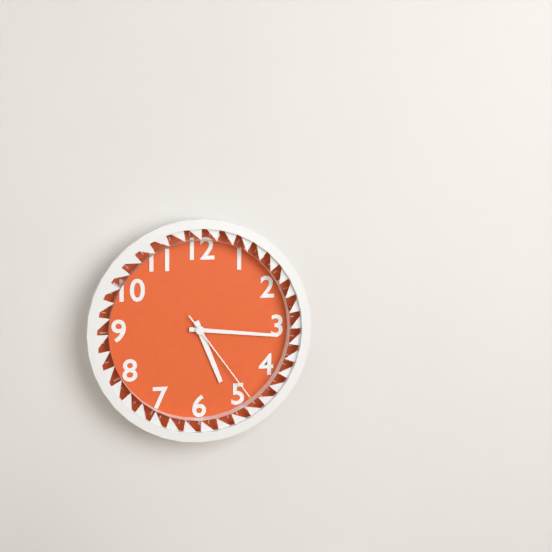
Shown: 5:16:24
